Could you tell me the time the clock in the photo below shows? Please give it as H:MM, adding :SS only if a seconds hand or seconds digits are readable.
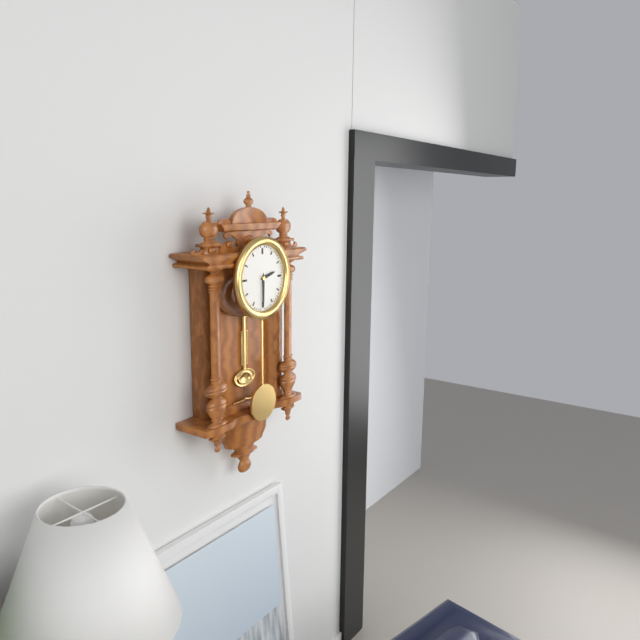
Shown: 2:30
